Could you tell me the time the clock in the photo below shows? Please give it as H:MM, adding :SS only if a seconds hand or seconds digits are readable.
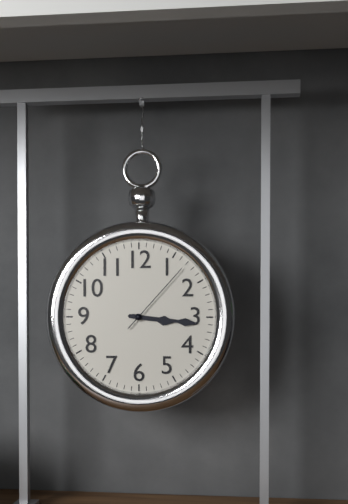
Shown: 3:16:07
